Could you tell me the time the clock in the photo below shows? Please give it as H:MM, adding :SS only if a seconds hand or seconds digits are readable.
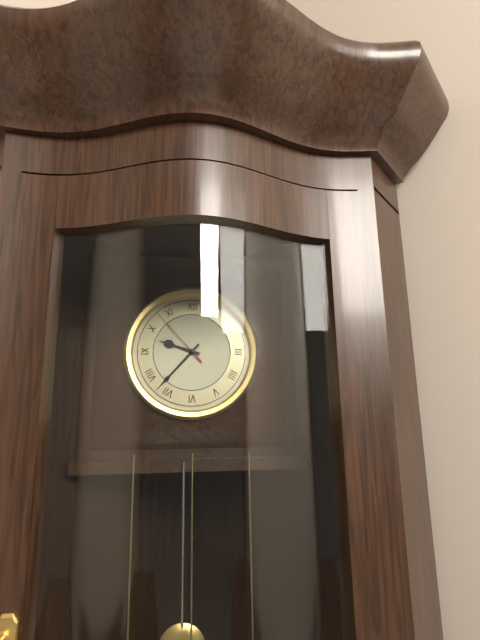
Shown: 9:37:53
